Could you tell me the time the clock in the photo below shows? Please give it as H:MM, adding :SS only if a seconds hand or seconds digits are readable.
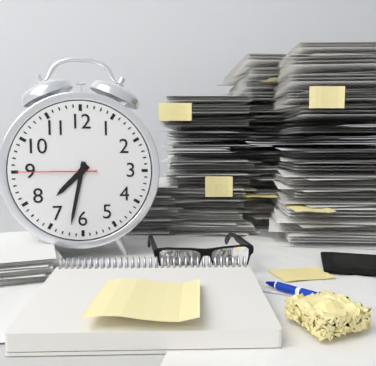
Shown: 7:32:45
